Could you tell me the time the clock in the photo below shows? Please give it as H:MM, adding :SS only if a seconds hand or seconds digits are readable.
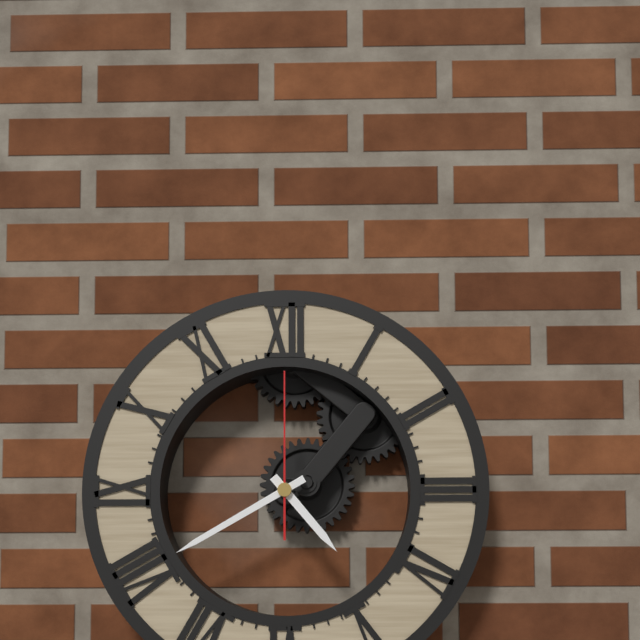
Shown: 4:40:00
